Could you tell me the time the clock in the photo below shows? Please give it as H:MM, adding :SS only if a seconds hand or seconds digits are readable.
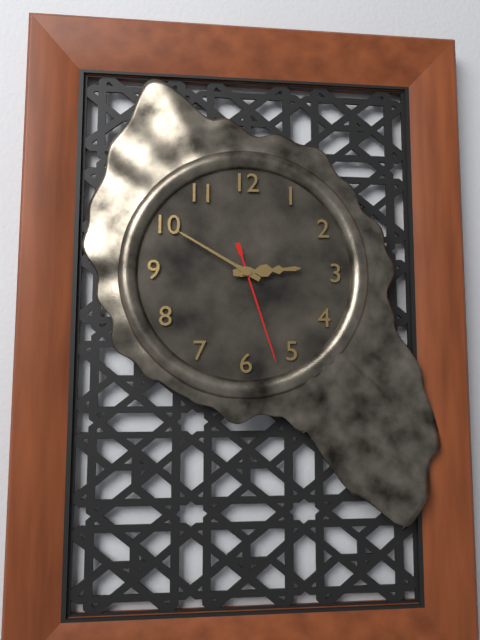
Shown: 2:50:27
